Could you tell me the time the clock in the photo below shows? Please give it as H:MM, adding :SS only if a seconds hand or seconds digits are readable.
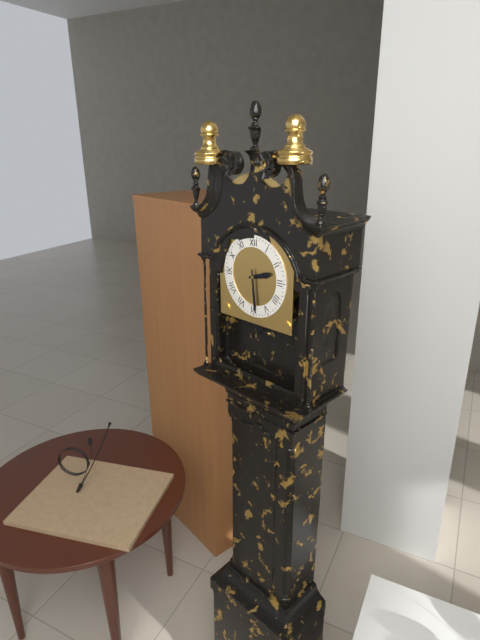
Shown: 2:29
